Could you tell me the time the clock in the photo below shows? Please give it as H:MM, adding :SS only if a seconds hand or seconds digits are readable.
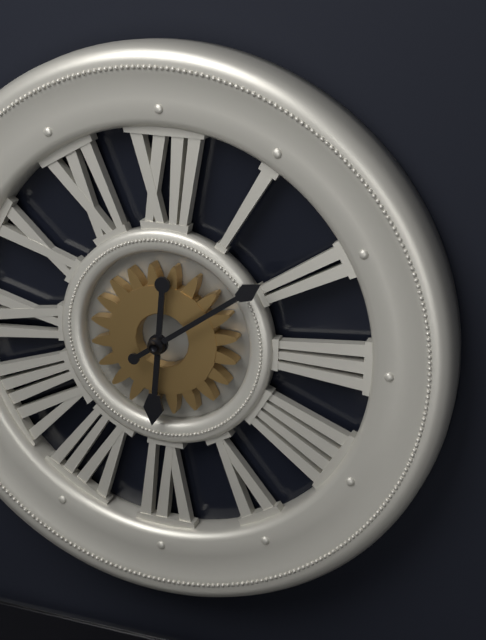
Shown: 6:09
